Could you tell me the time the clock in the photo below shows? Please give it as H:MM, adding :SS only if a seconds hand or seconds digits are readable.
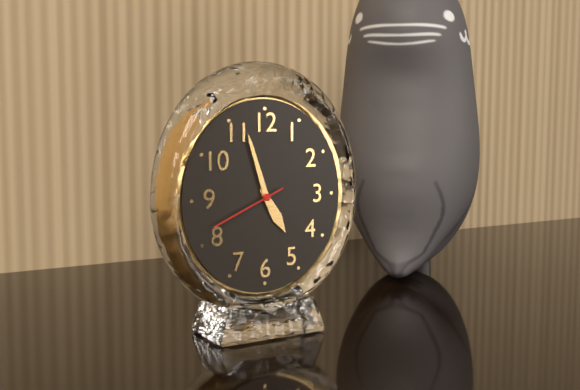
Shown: 4:57:41
